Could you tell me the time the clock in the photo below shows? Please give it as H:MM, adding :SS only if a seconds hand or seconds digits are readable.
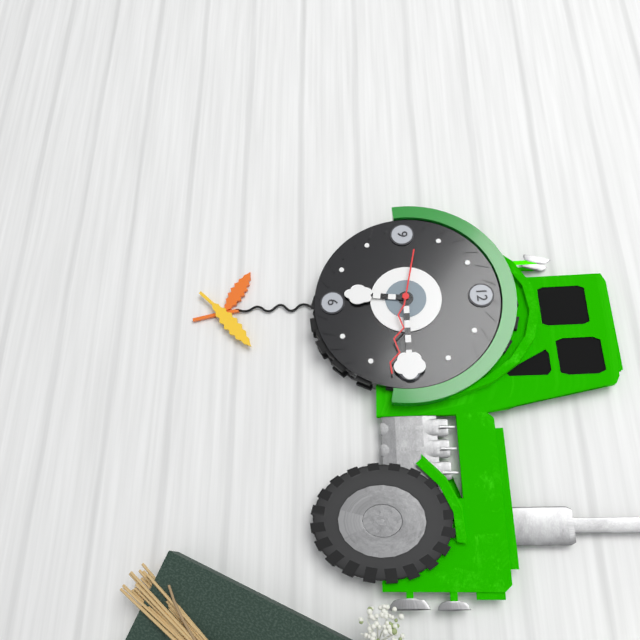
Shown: 6:15:17
